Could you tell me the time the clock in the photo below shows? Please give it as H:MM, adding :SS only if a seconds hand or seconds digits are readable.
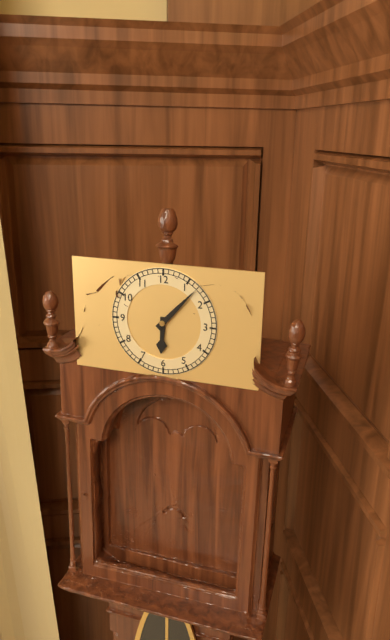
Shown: 6:07
